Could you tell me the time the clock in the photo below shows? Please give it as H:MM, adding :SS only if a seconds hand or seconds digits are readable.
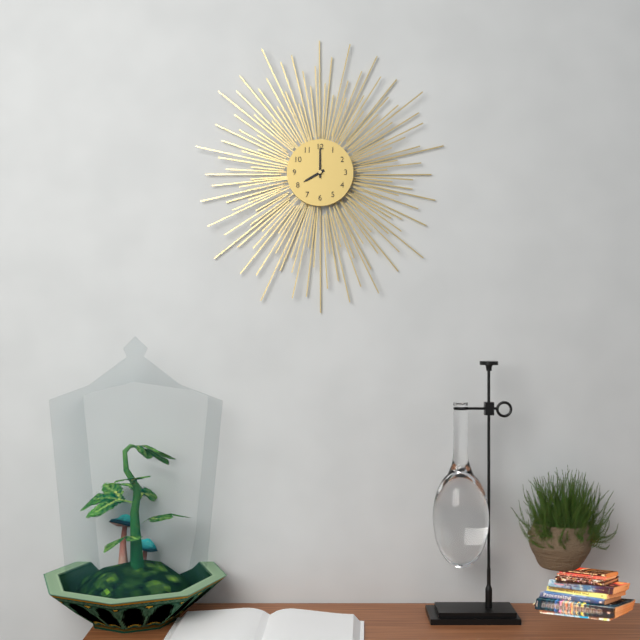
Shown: 8:00
